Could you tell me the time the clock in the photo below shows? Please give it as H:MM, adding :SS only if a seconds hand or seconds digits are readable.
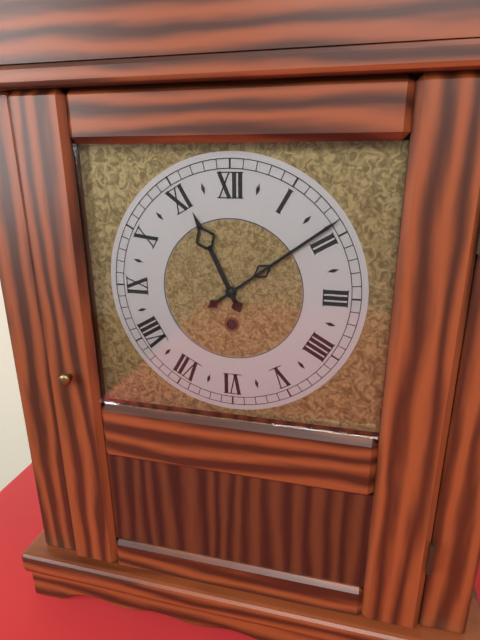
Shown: 11:09
